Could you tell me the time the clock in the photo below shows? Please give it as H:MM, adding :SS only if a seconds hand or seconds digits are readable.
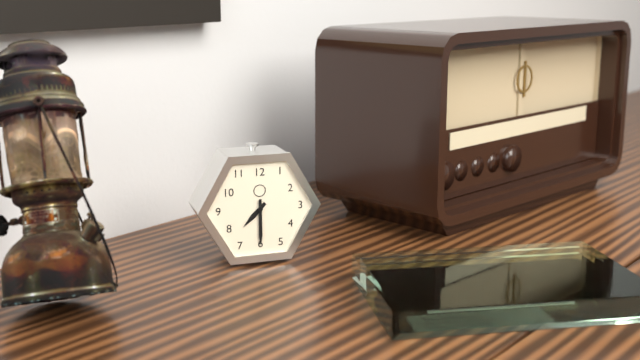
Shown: 7:30
